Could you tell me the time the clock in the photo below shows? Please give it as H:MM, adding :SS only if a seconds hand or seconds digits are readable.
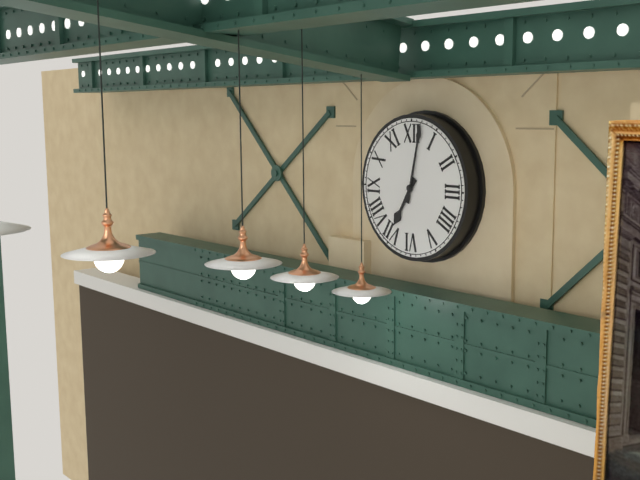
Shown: 7:02
